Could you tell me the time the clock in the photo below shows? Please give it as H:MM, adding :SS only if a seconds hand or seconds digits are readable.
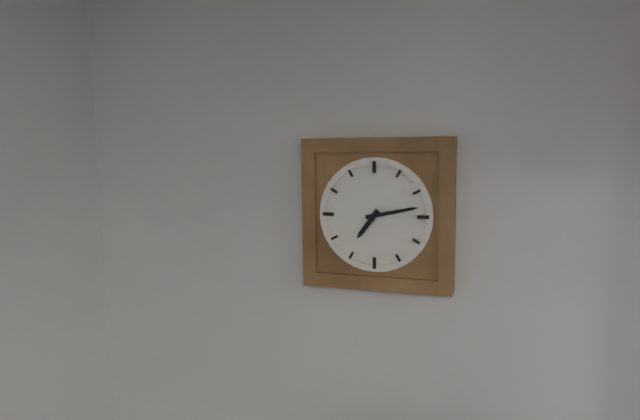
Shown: 7:13
